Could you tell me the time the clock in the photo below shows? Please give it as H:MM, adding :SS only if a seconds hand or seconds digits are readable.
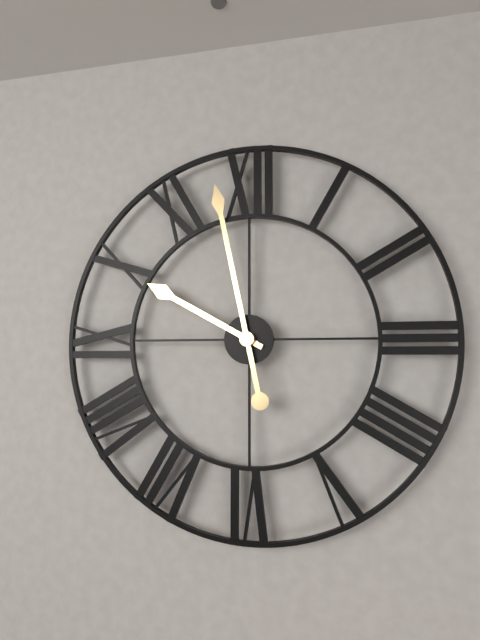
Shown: 9:58
